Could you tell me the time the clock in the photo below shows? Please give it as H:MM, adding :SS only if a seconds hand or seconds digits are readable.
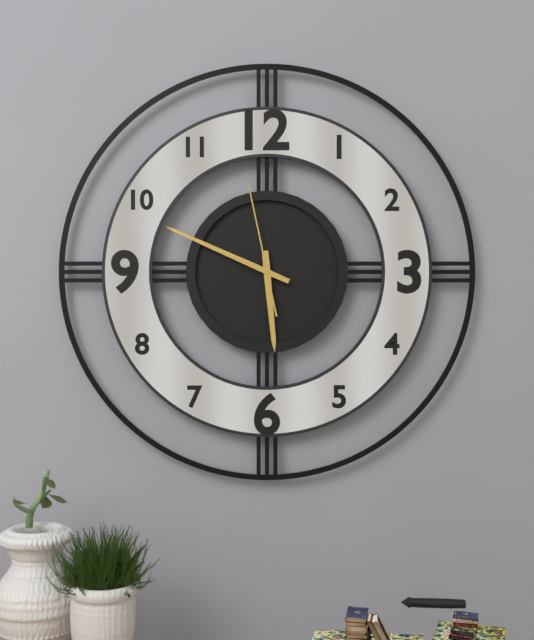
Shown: 5:49:58
